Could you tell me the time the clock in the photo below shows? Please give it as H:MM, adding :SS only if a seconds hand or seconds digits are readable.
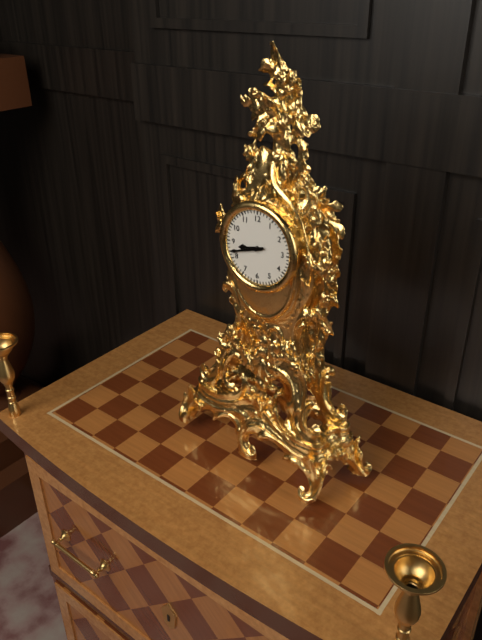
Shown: 8:42
